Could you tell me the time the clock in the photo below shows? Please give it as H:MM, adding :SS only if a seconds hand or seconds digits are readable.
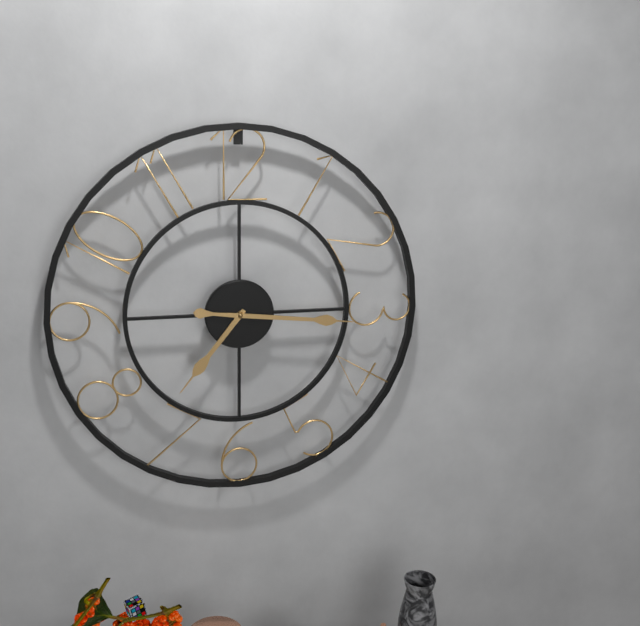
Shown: 7:16
